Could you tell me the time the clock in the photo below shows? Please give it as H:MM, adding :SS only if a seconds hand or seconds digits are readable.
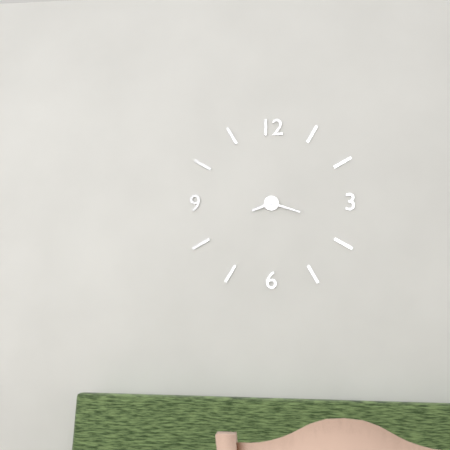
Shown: 8:18
